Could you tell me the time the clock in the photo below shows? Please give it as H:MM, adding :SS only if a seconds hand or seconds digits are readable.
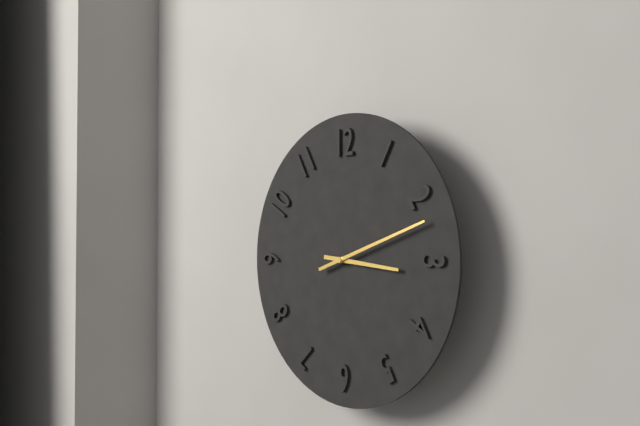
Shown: 3:12
